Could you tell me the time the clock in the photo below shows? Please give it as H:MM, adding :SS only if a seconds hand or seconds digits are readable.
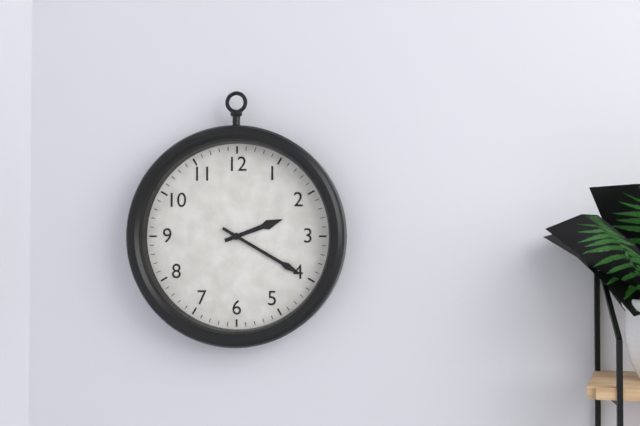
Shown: 2:20
